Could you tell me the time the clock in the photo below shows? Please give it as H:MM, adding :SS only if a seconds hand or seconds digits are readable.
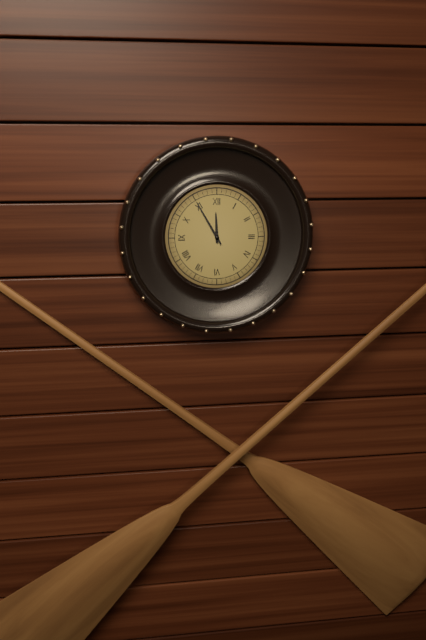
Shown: 11:55
